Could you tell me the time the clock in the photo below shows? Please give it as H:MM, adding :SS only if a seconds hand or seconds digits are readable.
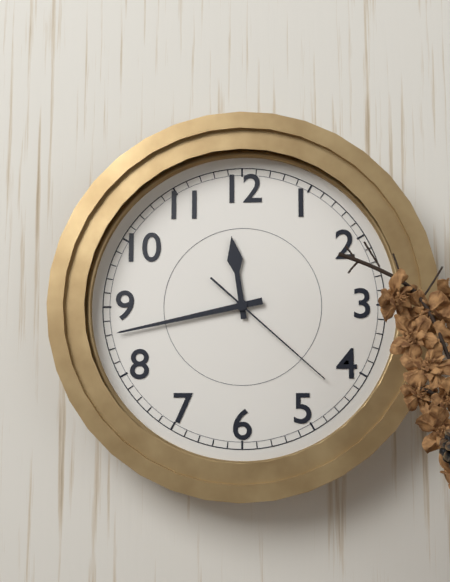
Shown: 11:43:22
